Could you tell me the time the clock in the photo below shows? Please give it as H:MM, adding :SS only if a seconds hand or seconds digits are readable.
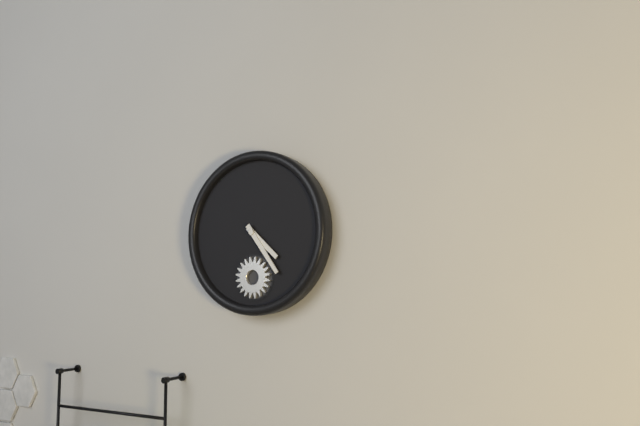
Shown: 4:24
